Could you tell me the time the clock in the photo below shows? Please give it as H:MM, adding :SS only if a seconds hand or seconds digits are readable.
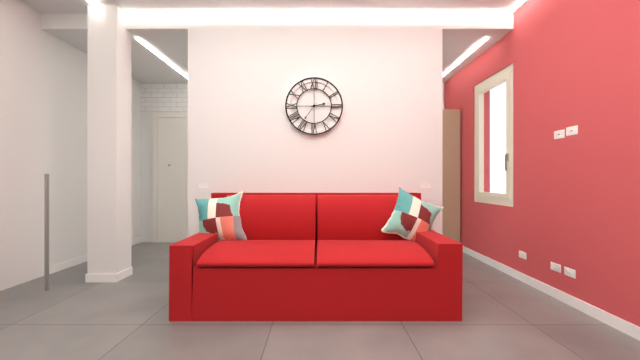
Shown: 2:36
